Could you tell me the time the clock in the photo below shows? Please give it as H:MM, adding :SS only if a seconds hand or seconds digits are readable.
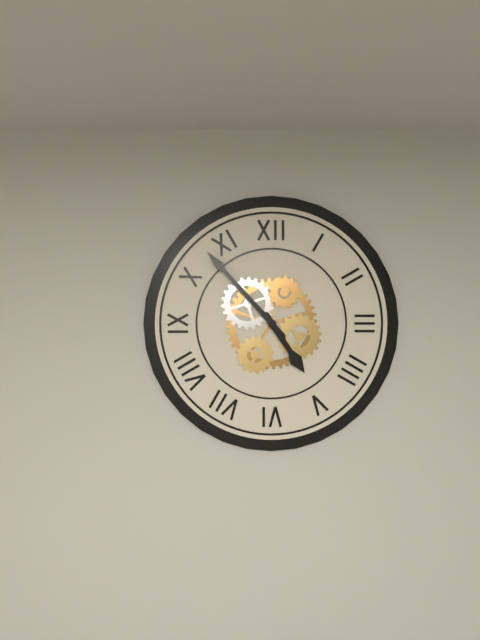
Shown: 4:53
